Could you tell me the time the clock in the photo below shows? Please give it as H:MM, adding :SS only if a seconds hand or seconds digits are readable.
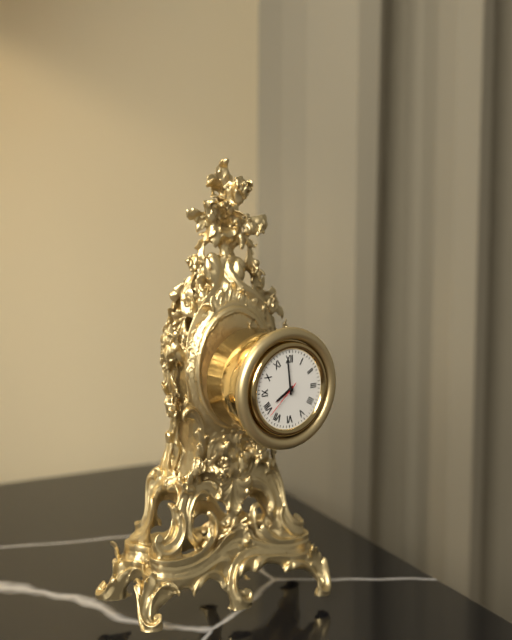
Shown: 7:59
